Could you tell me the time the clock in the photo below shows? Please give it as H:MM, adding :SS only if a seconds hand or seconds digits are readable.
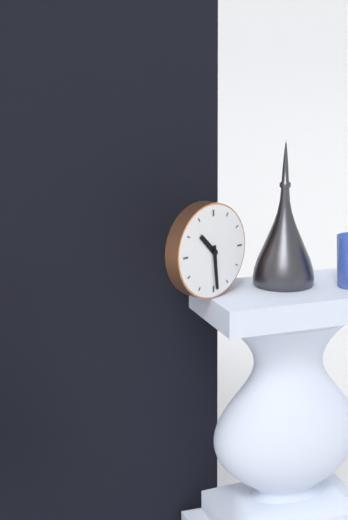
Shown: 10:29
